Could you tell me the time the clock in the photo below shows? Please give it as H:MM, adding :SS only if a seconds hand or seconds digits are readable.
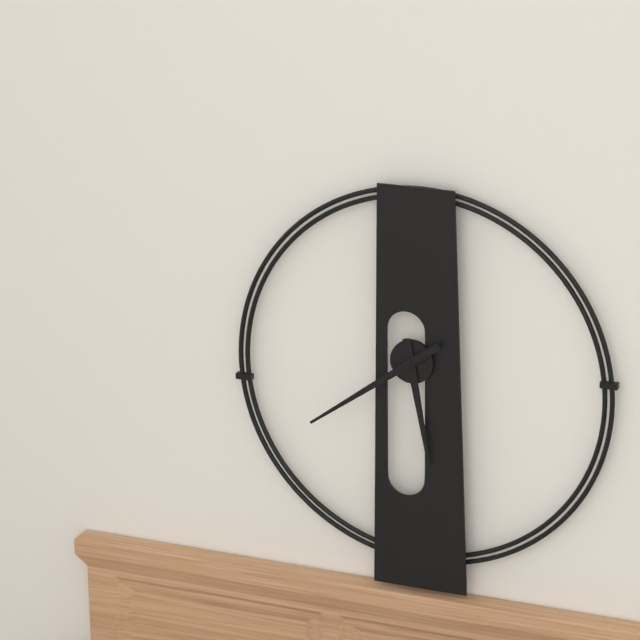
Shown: 5:39
